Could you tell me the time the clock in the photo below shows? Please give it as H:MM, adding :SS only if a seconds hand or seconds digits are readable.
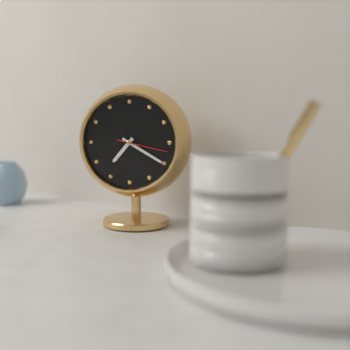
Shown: 7:20:17
